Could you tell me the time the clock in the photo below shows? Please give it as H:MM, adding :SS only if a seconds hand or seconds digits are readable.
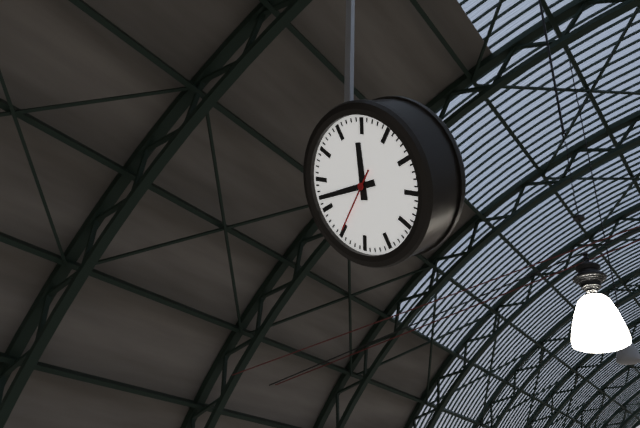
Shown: 12:47:40
